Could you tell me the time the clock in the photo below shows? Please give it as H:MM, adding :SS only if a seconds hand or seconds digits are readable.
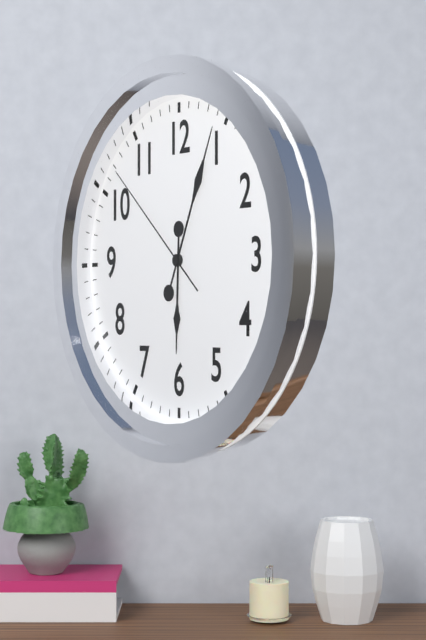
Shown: 6:04:52
